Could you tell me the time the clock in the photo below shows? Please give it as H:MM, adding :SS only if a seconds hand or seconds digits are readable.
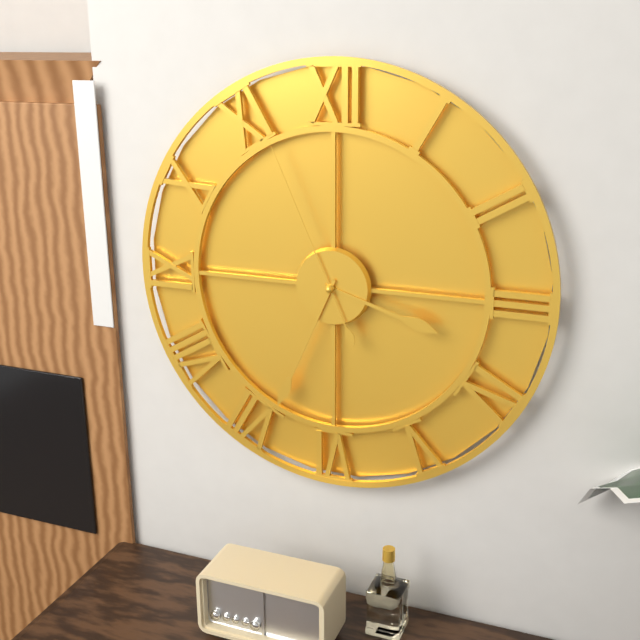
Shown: 3:34:56
